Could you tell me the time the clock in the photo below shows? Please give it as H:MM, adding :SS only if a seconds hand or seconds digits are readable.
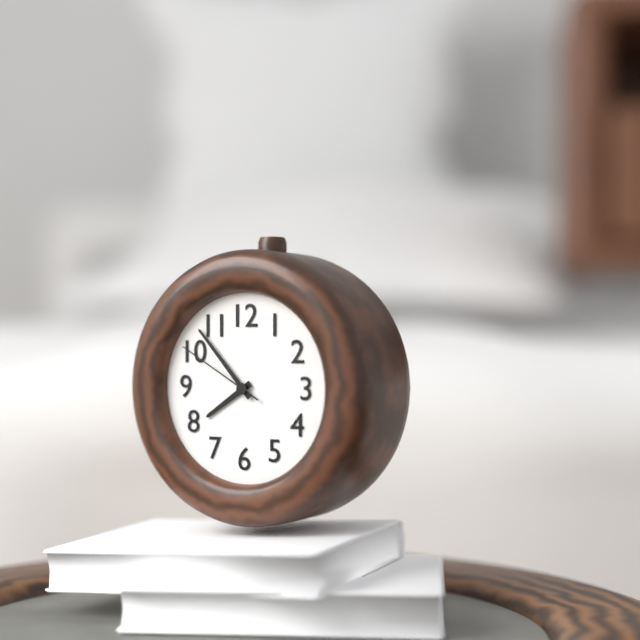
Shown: 7:53:50
